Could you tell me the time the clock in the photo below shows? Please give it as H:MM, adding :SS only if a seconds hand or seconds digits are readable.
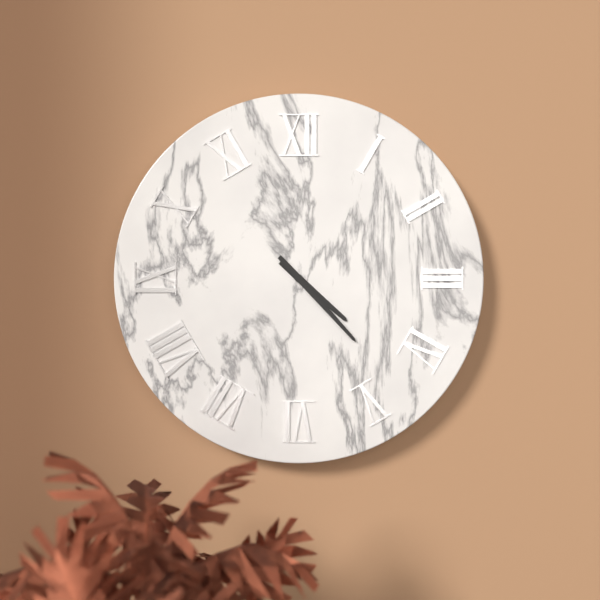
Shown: 4:23
